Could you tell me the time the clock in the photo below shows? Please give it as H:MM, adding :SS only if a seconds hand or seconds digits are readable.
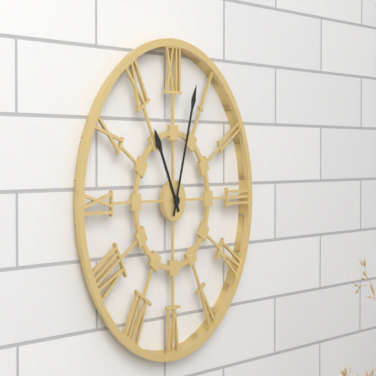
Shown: 11:03
